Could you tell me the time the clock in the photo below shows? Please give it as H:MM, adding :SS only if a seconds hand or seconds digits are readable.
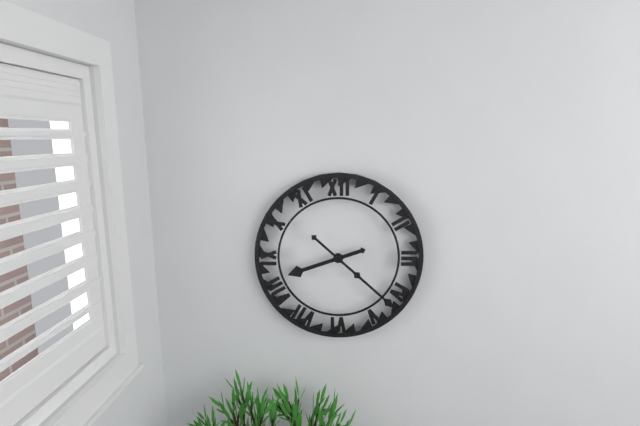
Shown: 8:22
